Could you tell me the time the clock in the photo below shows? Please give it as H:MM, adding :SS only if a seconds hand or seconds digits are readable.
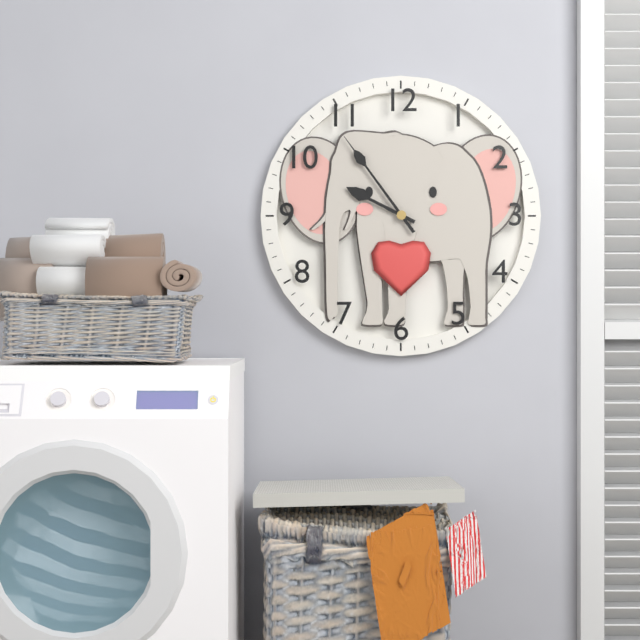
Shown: 9:54
